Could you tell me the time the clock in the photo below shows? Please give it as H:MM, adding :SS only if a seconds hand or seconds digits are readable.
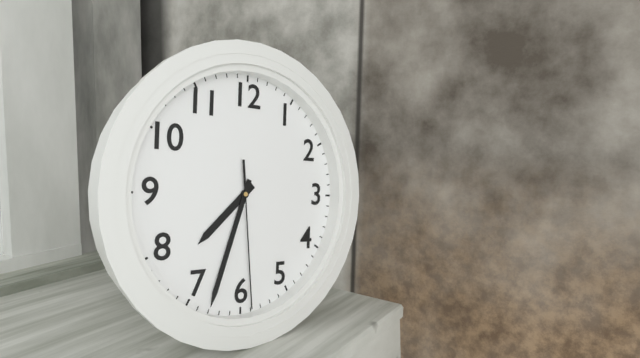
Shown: 7:33:29
